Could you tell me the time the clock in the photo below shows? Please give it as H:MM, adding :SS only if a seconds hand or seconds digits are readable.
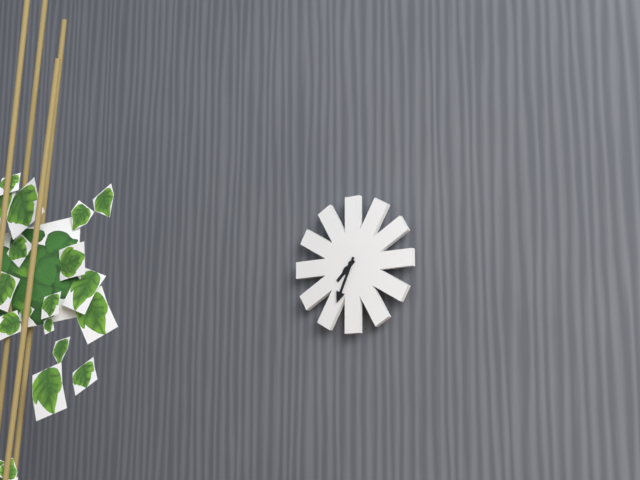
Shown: 7:34
